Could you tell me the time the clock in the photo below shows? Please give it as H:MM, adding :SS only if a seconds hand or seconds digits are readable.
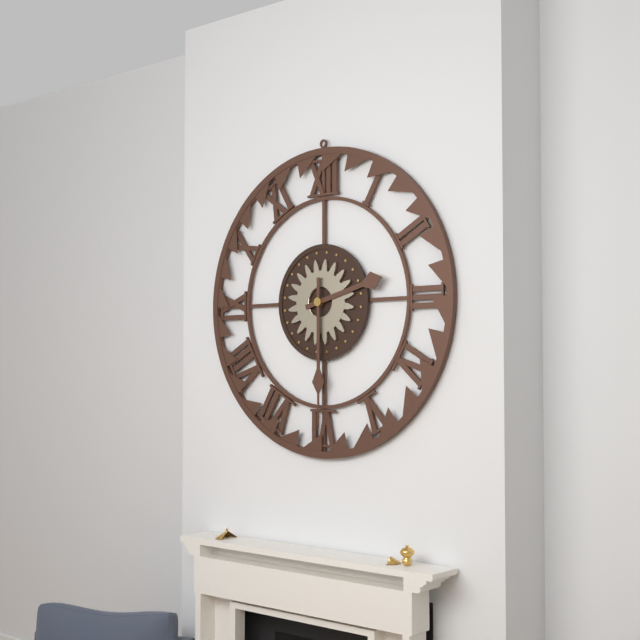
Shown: 2:30
